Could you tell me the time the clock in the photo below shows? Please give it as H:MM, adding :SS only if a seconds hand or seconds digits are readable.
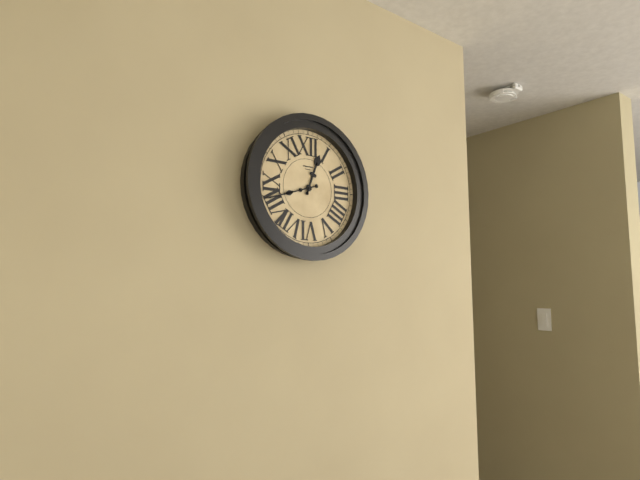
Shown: 12:42
